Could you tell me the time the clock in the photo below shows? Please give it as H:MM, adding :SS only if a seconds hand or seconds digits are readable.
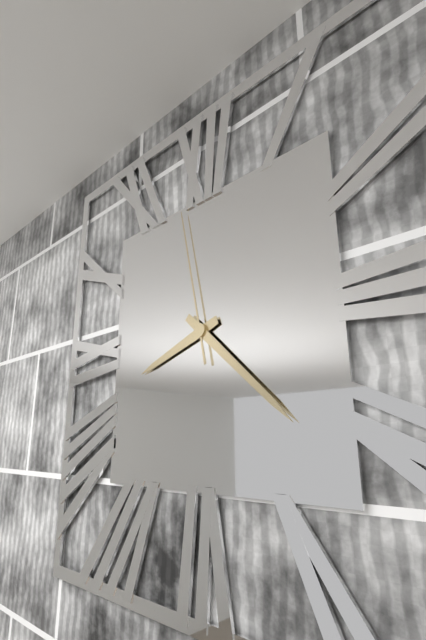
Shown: 8:22:58
